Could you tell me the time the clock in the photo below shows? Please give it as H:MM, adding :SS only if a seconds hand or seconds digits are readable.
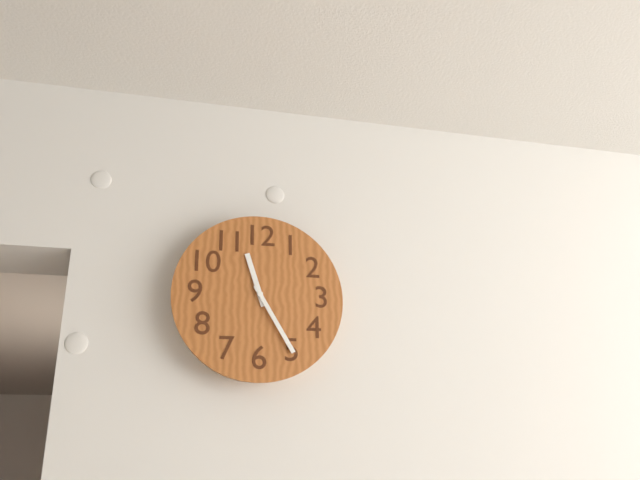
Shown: 11:25
